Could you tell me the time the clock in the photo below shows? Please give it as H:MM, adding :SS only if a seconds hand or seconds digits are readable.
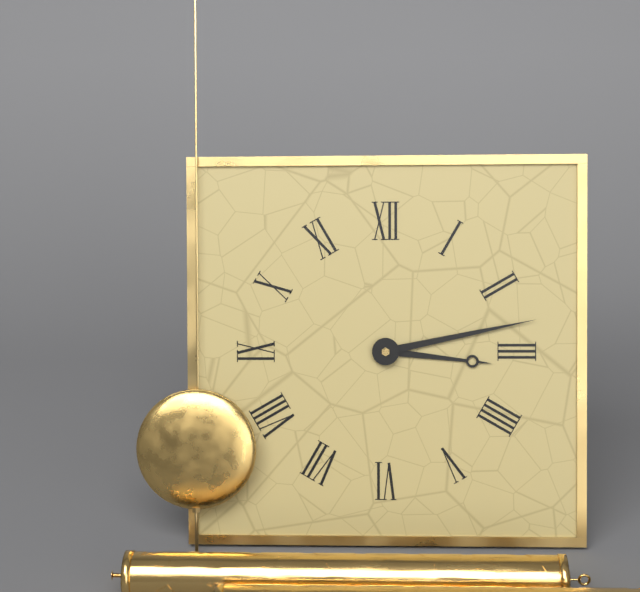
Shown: 3:13
